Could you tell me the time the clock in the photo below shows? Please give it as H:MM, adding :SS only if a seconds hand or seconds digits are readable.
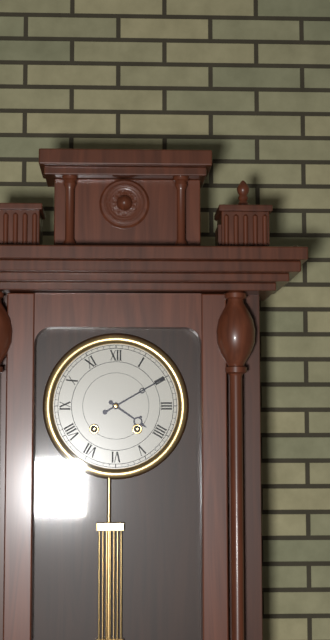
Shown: 4:10
